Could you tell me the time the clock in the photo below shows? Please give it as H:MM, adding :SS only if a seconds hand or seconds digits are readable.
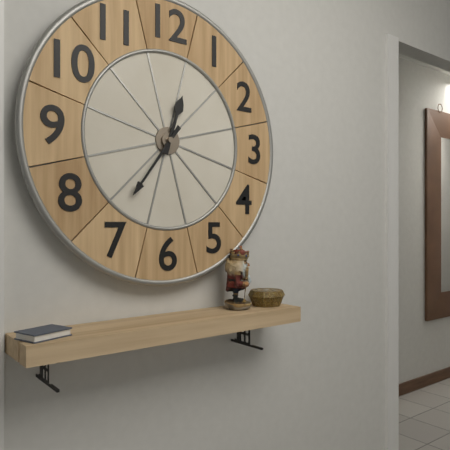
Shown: 12:36
